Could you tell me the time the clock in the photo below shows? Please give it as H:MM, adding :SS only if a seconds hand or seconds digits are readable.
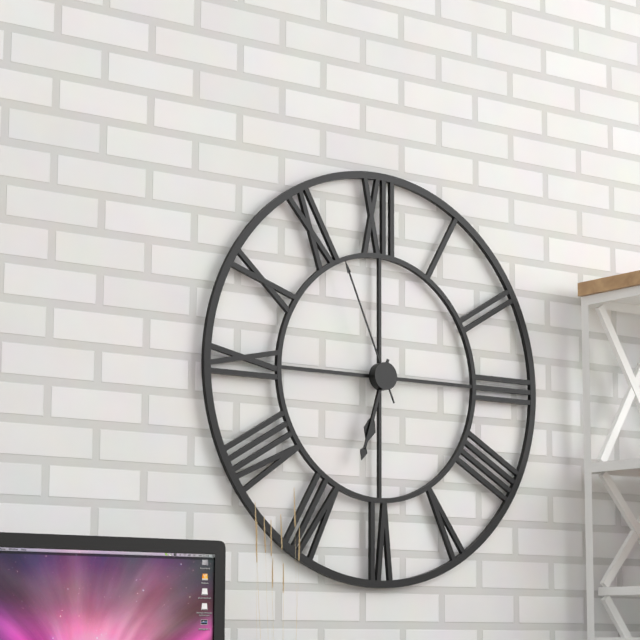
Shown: 6:33:56
